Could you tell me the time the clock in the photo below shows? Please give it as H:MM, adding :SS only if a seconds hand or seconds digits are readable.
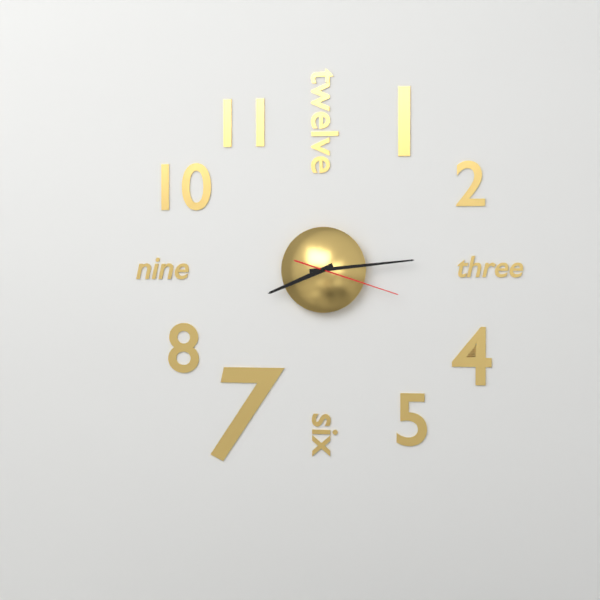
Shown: 8:14:18
